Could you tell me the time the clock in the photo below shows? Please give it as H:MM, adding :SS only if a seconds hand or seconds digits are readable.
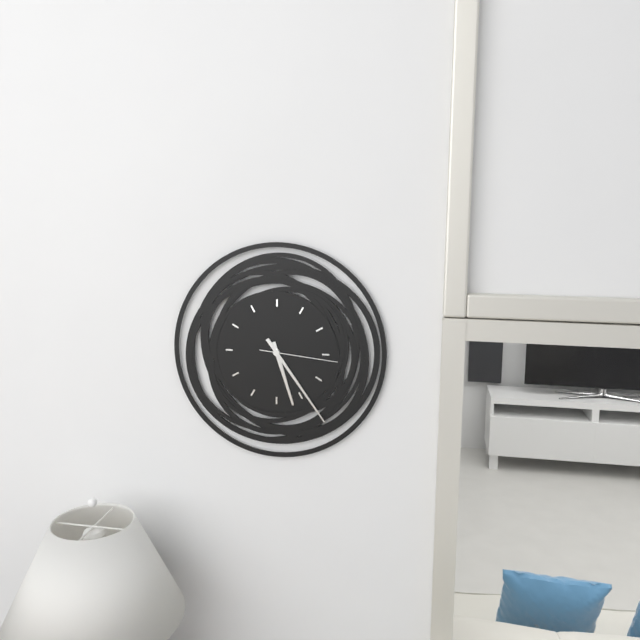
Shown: 5:24:16
